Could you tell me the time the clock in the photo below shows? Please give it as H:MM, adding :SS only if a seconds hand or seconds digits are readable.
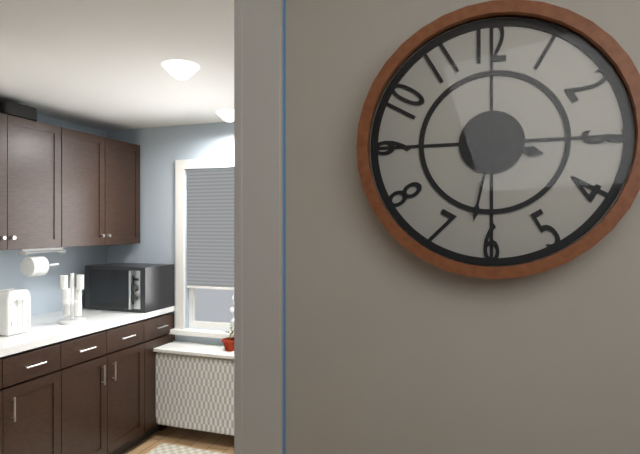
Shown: 3:32
